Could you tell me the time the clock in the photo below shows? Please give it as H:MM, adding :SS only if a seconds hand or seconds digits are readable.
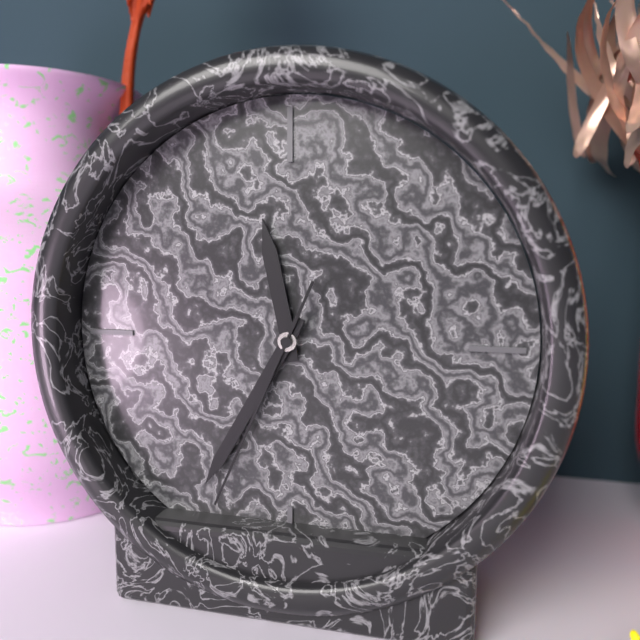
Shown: 11:35:34
